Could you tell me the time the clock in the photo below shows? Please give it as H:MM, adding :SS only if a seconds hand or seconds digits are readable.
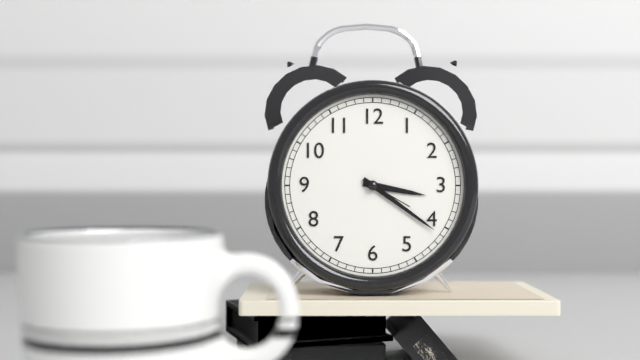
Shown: 3:21:20
